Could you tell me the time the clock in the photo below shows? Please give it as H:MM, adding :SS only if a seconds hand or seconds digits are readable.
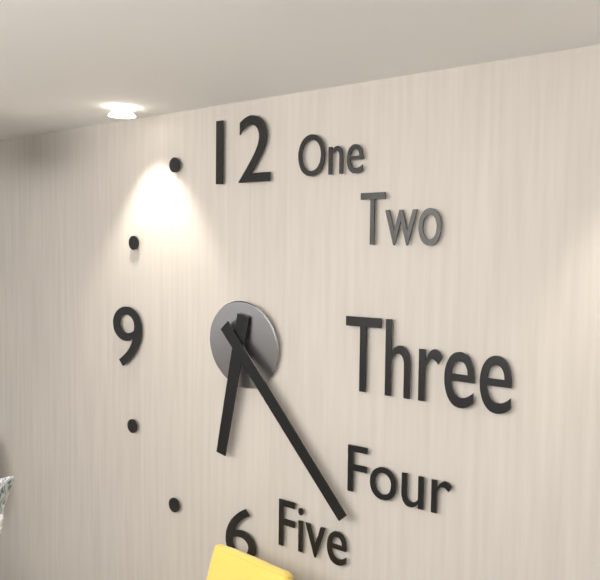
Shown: 6:23
